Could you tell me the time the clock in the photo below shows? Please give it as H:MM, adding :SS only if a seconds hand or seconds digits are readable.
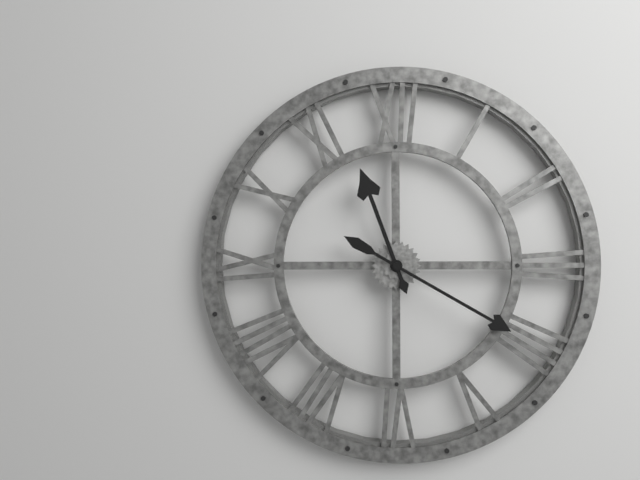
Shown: 11:20
